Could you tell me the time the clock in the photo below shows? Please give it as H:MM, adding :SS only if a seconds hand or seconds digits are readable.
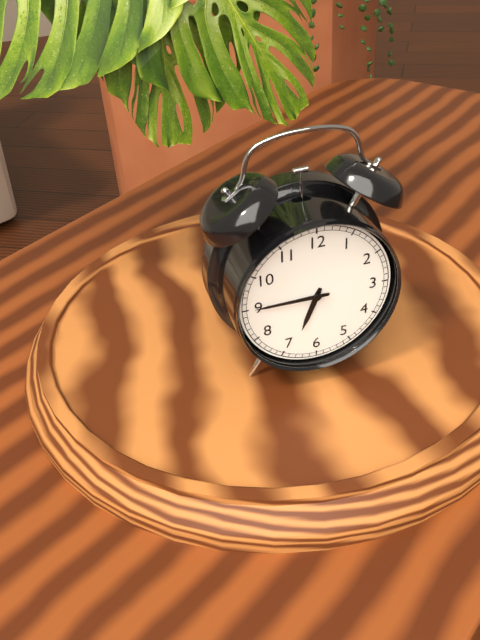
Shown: 6:45
